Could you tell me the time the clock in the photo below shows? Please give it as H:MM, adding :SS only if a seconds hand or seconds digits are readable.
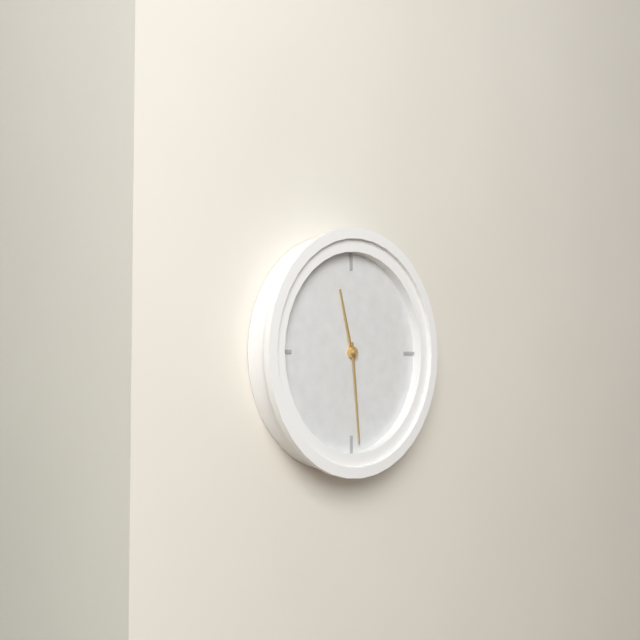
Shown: 11:29
